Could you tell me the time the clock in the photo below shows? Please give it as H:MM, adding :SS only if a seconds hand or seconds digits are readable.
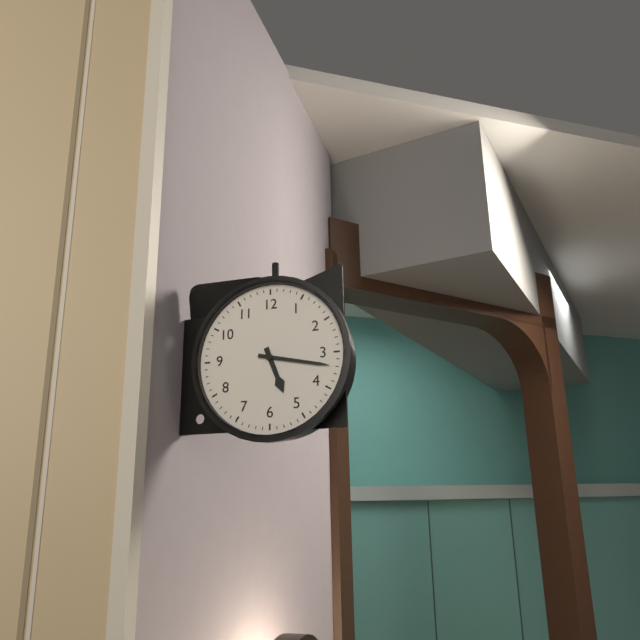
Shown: 5:17
